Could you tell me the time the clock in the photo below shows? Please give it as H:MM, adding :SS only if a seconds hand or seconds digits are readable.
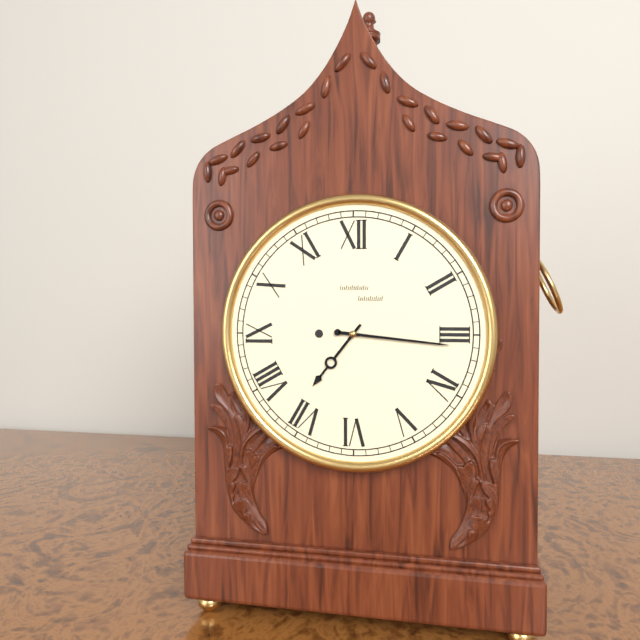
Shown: 7:16
